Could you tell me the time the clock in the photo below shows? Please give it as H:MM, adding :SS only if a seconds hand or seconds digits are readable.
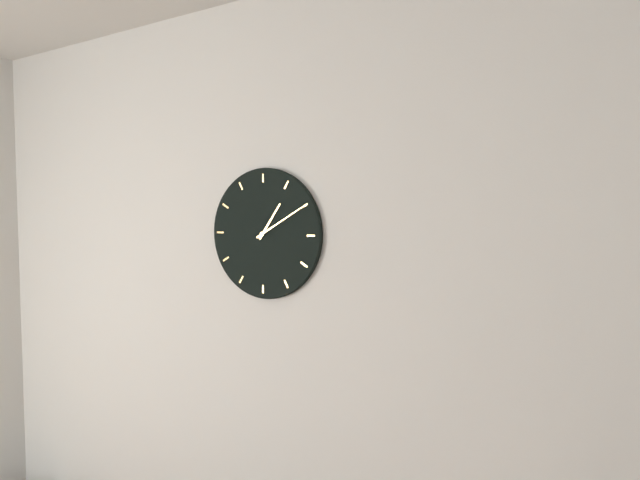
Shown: 1:10
